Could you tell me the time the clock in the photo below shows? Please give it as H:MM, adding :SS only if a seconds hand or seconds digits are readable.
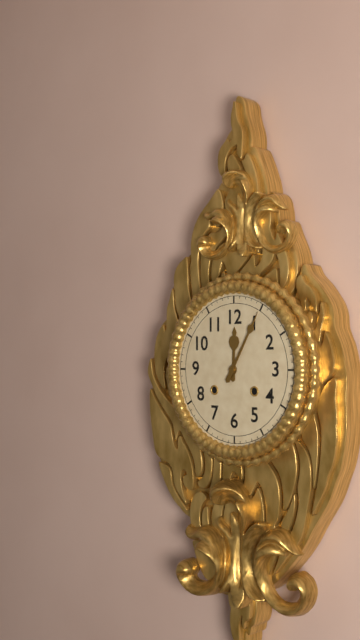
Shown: 12:05
